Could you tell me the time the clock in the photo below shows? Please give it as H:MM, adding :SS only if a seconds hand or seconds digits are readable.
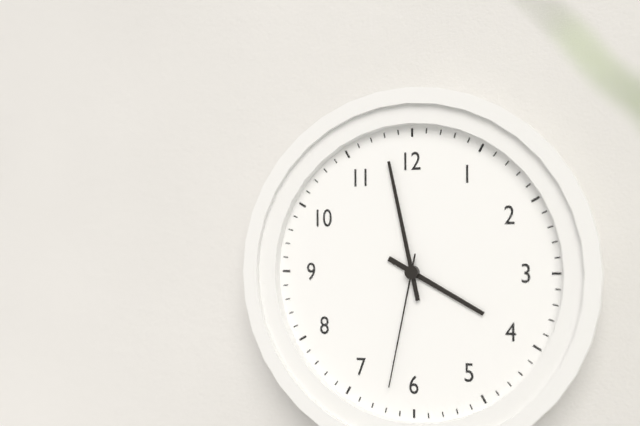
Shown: 3:58:32
